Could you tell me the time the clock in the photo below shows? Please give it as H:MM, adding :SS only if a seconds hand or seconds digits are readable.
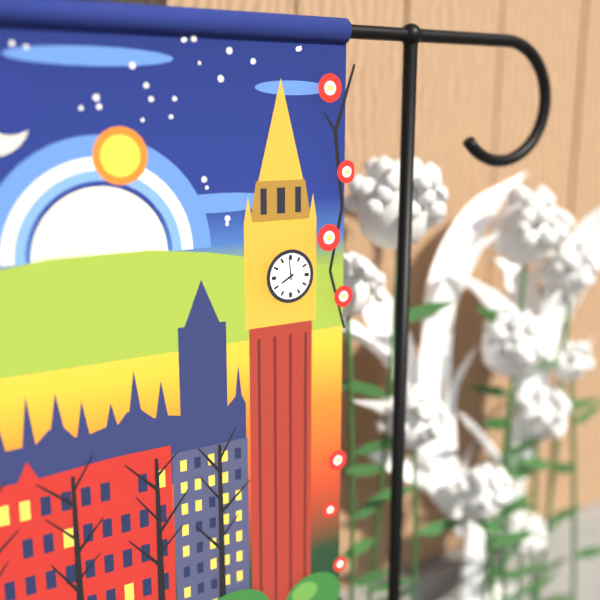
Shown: 7:59
